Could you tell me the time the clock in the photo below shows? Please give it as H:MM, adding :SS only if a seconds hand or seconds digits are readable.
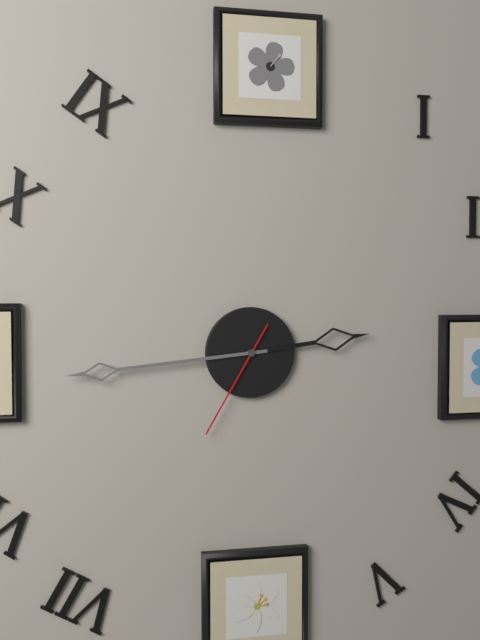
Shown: 2:44:35
